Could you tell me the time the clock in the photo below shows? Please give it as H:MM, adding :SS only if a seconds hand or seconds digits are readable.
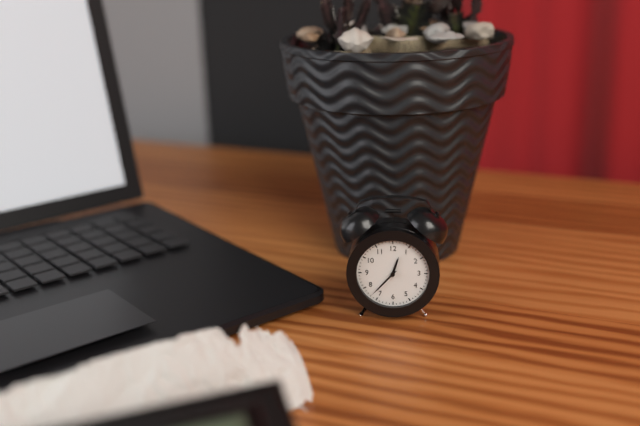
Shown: 12:37
